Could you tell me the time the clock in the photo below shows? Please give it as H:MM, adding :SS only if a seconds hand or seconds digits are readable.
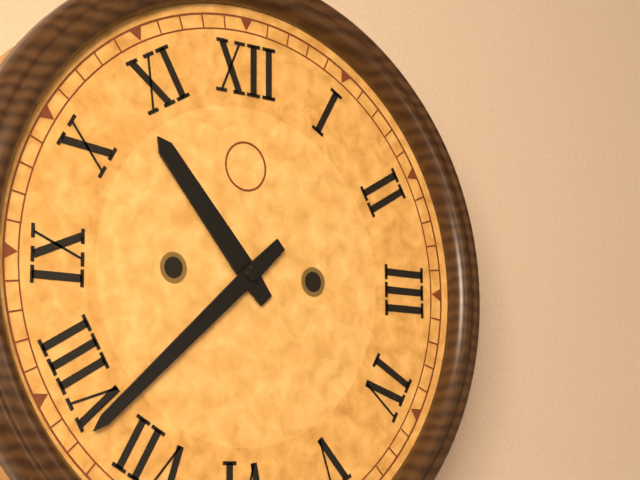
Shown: 10:38
